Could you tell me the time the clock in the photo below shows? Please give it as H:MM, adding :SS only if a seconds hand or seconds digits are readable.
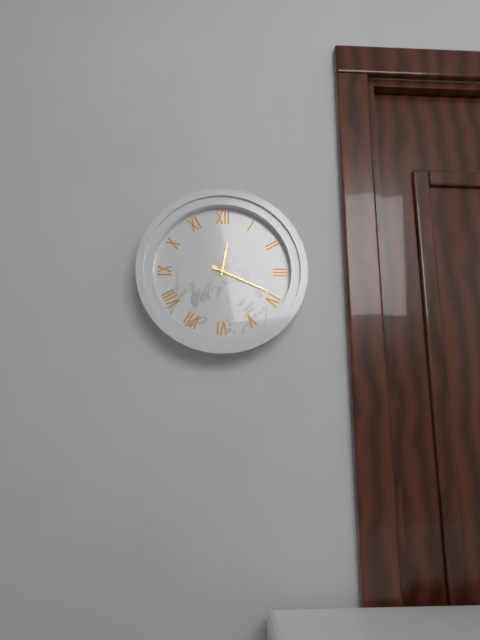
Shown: 12:19
